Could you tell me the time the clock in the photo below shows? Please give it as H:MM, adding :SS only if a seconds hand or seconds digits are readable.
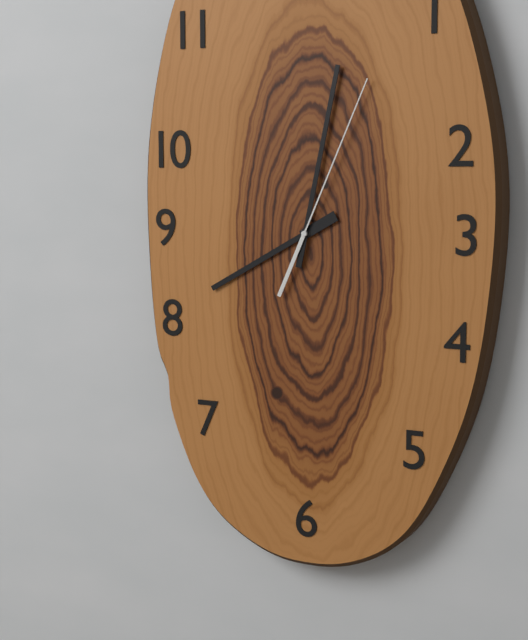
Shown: 8:02:04
